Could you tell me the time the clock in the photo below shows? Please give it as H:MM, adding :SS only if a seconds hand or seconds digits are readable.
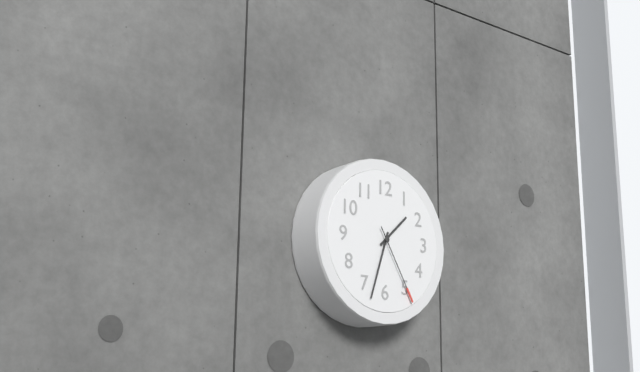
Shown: 1:33:25
